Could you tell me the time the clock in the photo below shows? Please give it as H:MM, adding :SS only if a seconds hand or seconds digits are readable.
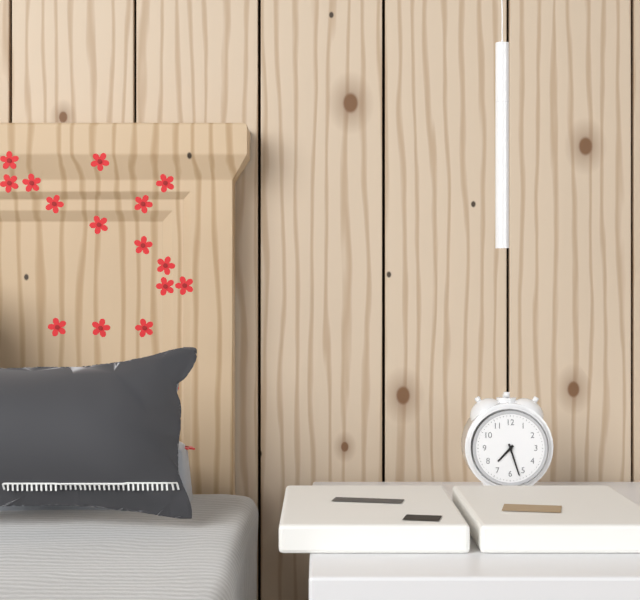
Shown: 7:27
